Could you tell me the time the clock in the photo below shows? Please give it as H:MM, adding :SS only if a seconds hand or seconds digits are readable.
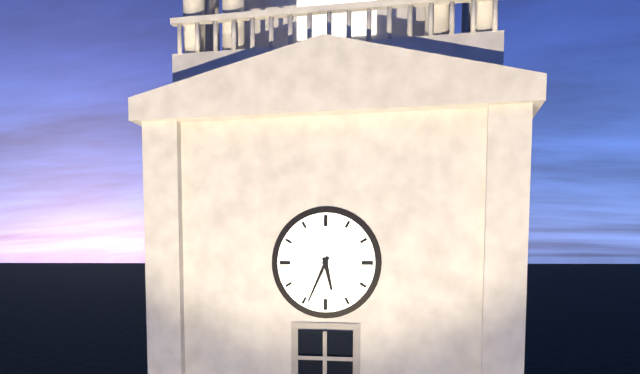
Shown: 5:34
